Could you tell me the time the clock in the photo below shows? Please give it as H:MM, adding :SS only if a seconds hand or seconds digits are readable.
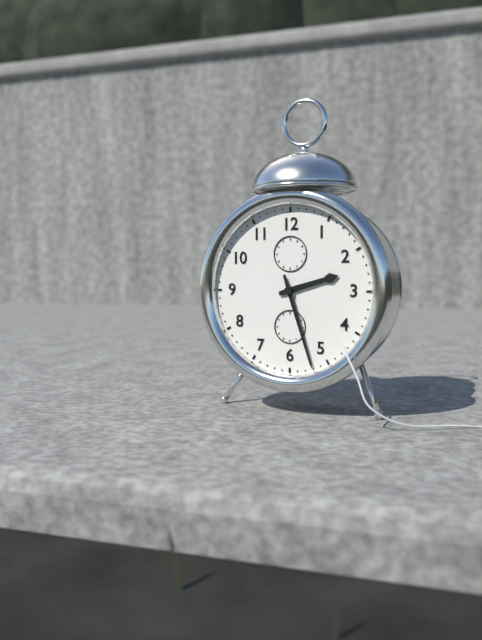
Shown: 2:27
